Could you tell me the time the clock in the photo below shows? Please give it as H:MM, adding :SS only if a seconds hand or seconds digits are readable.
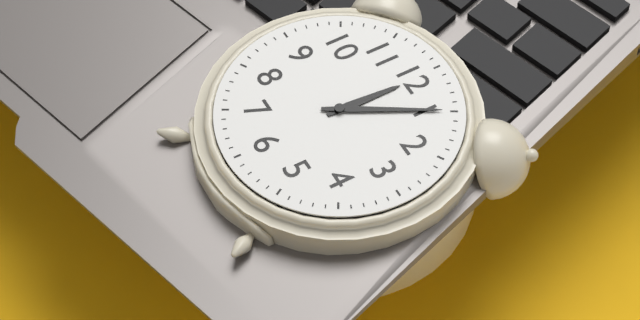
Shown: 12:05
